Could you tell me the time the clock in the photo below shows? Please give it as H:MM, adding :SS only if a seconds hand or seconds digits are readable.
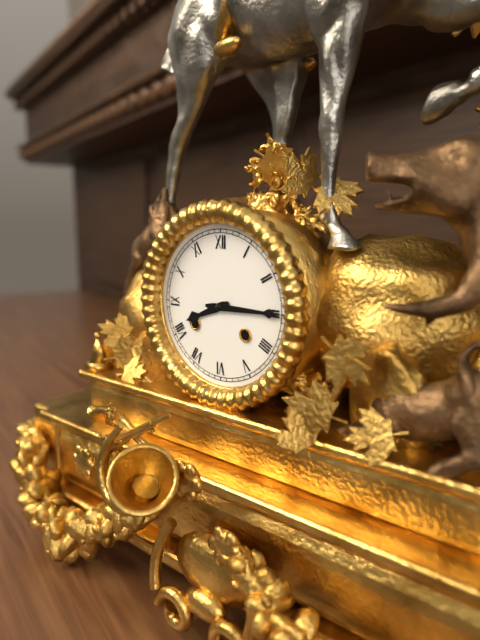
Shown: 8:15
